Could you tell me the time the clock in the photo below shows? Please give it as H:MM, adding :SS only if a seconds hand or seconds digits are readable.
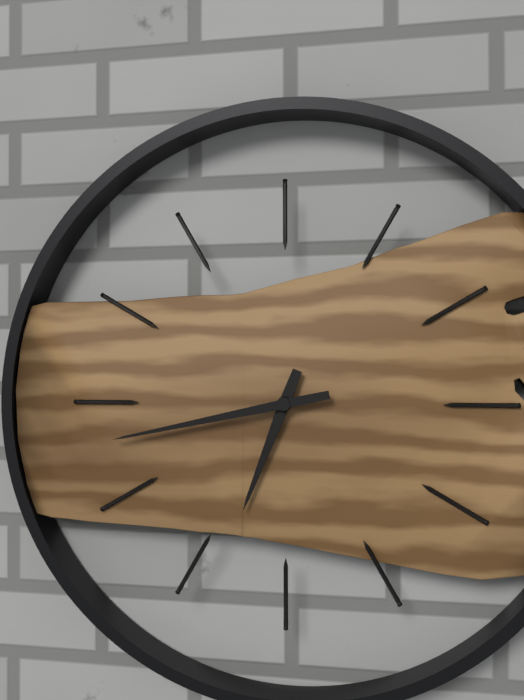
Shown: 6:43
